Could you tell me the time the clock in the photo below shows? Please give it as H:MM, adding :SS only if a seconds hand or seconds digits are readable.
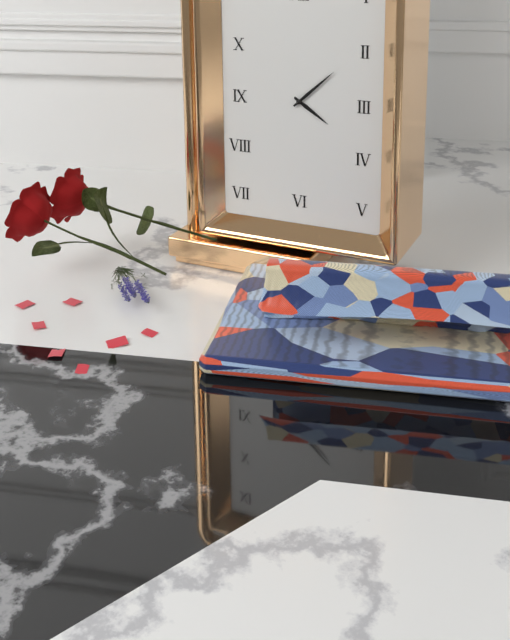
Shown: 4:08
